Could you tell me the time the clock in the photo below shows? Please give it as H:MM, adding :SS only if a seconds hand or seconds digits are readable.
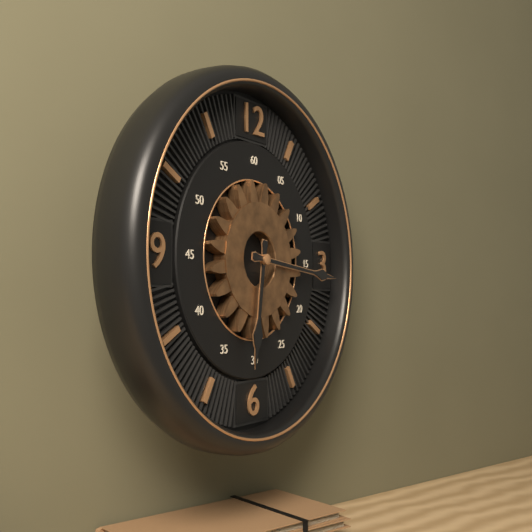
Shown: 6:16
